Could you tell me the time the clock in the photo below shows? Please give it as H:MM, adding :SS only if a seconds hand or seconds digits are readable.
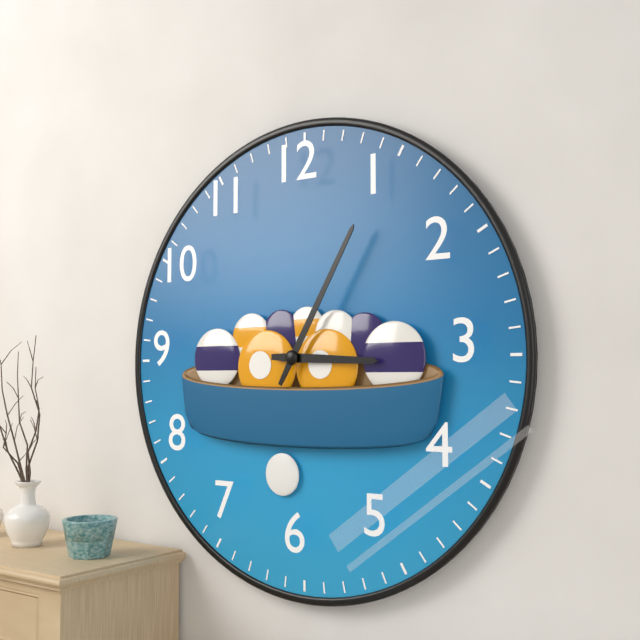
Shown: 3:05
